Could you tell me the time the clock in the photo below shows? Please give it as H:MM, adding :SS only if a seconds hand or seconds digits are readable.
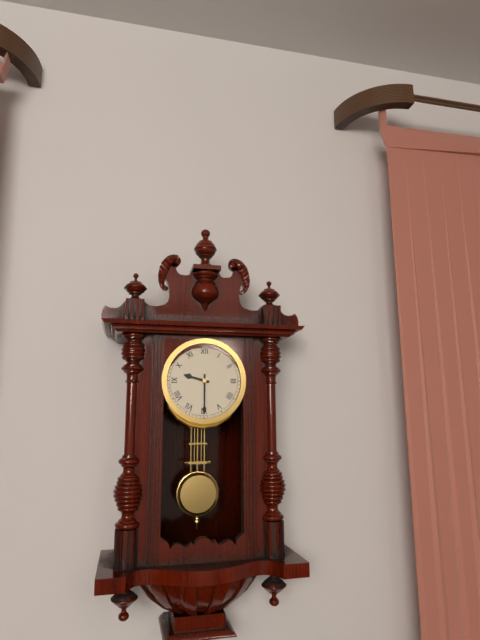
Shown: 9:30
